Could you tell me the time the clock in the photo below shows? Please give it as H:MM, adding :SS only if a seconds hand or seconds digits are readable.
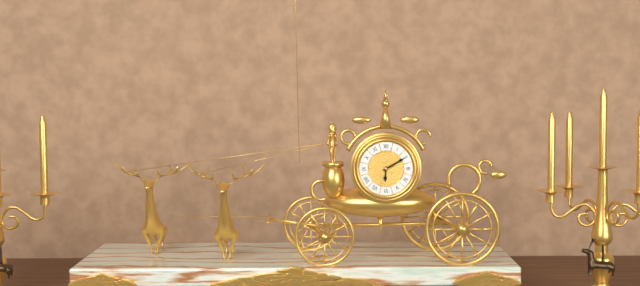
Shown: 6:10
